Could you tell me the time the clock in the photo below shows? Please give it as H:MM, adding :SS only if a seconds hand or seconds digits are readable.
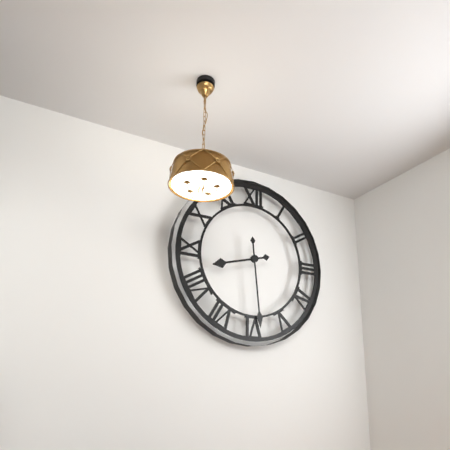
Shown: 8:29
